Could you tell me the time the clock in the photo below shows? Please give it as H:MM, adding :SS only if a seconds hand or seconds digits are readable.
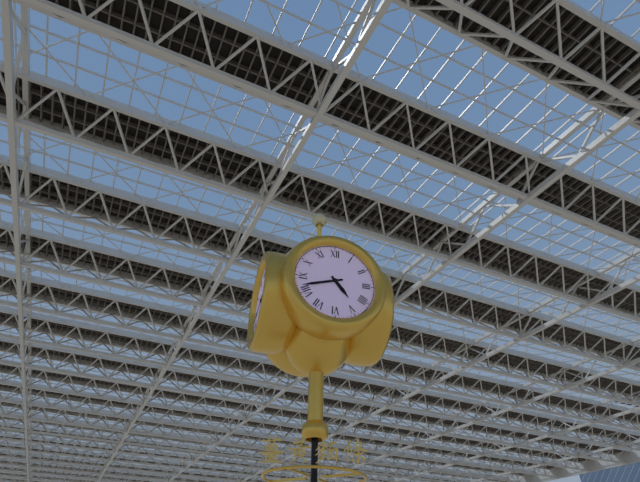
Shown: 4:42
